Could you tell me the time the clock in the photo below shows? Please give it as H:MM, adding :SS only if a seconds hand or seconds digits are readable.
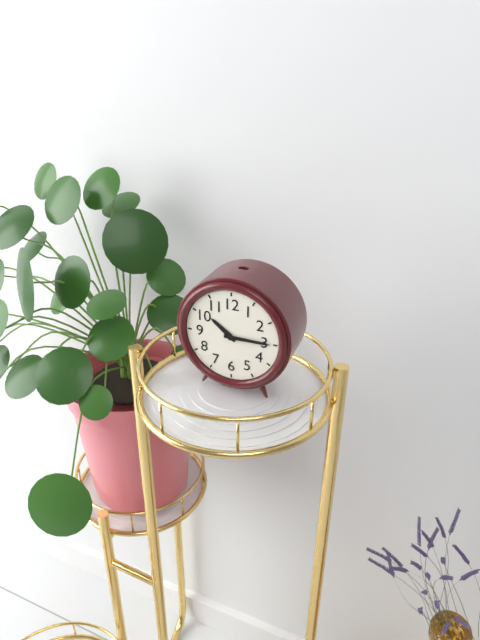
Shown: 10:15
